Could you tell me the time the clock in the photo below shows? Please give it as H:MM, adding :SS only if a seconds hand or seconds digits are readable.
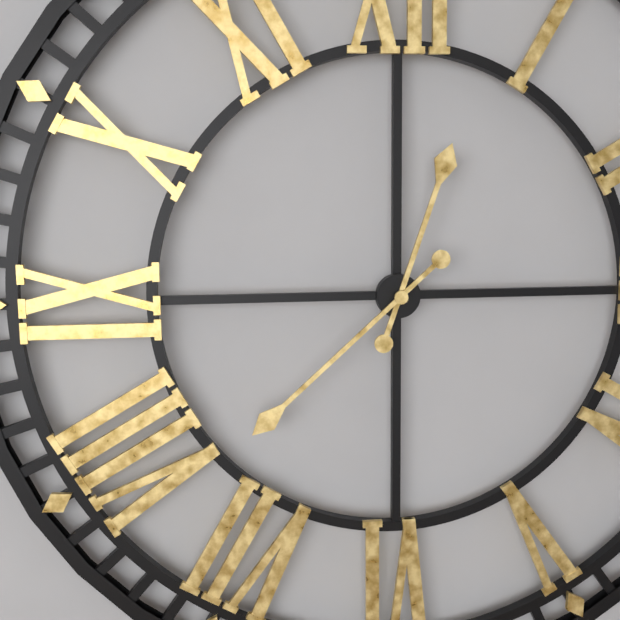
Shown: 12:38
